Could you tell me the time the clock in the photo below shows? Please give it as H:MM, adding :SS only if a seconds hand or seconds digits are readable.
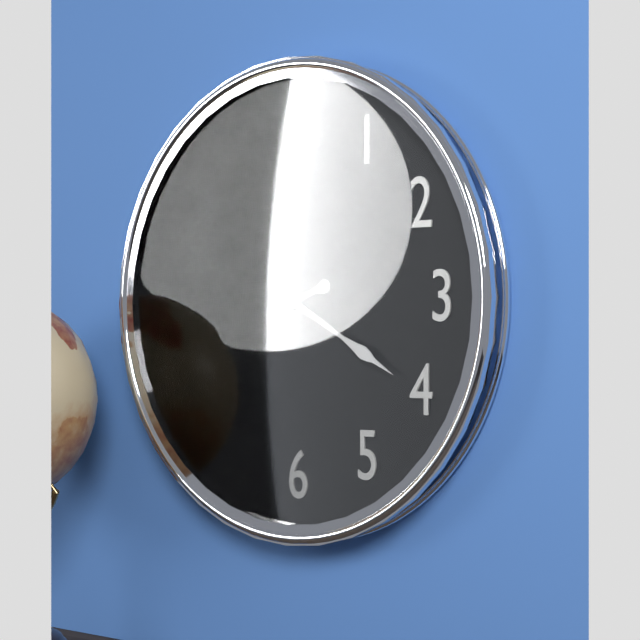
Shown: 8:20
